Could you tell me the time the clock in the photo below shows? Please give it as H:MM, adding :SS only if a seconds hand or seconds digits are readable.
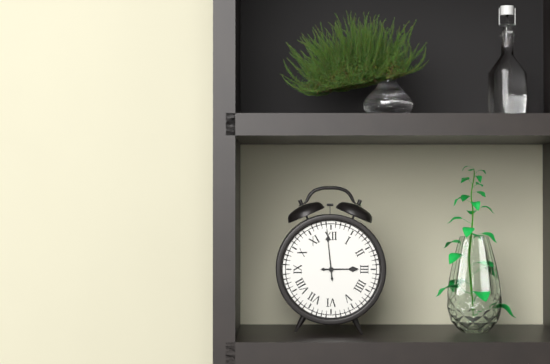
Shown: 2:59
